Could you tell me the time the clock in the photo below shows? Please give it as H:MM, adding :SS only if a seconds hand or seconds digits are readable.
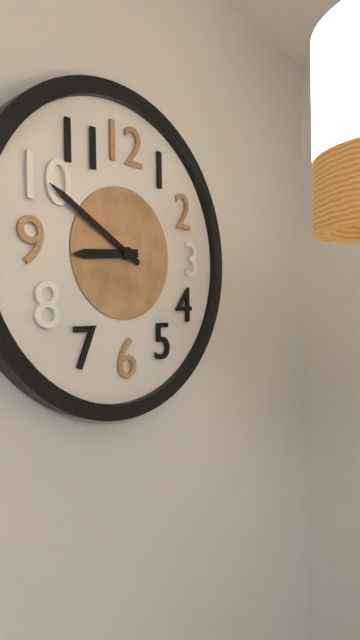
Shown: 8:50
